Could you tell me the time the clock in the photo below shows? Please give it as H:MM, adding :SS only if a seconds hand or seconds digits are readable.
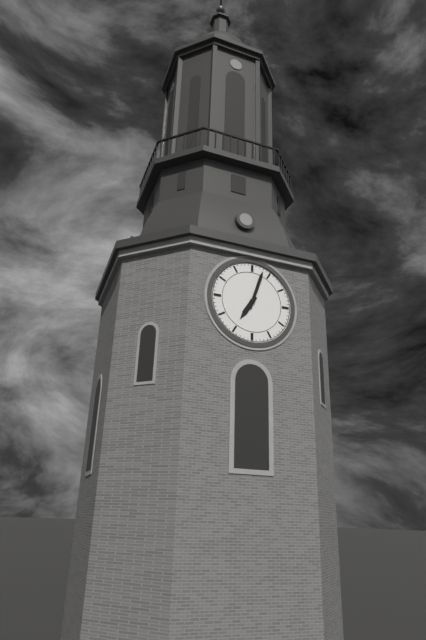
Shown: 7:03
